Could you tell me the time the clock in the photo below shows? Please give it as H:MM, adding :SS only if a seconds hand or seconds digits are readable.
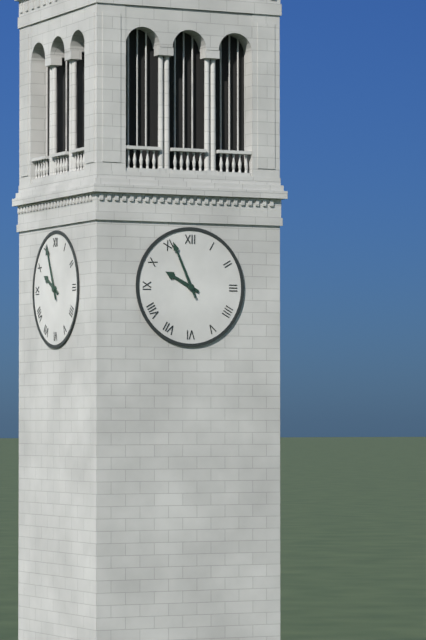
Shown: 9:56
